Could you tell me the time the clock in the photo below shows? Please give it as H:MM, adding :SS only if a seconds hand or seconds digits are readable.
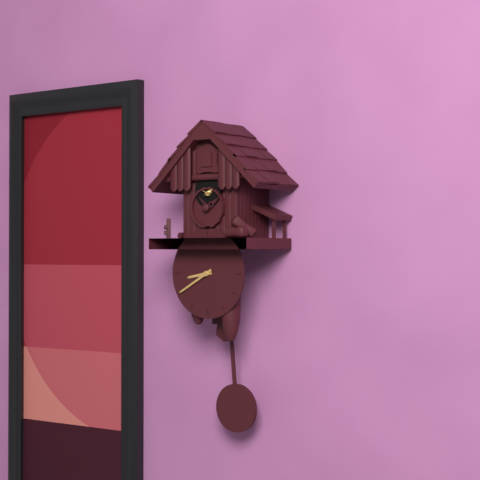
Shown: 8:40
